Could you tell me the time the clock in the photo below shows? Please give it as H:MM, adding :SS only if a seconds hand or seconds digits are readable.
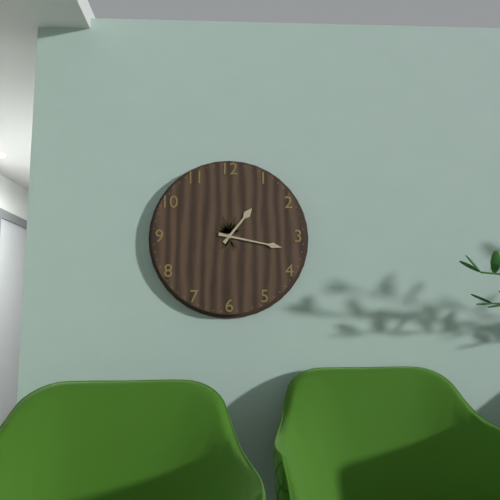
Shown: 1:17
